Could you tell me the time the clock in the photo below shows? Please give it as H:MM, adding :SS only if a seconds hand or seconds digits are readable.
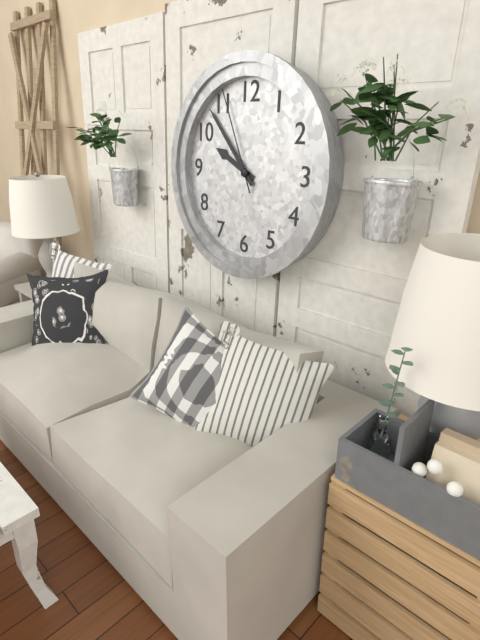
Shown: 9:53:56
